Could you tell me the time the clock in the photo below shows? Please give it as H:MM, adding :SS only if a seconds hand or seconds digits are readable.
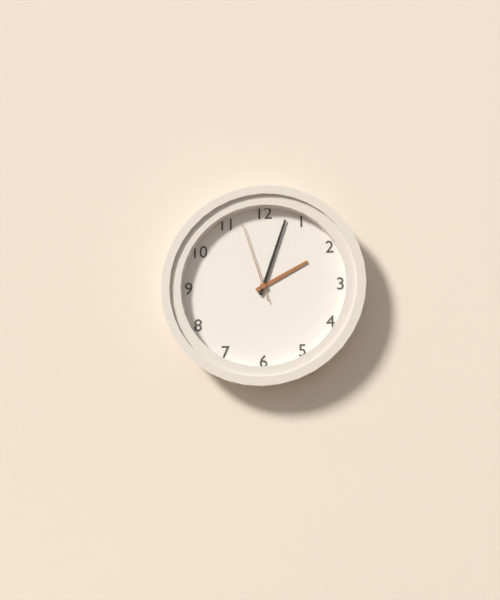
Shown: 2:03:57
